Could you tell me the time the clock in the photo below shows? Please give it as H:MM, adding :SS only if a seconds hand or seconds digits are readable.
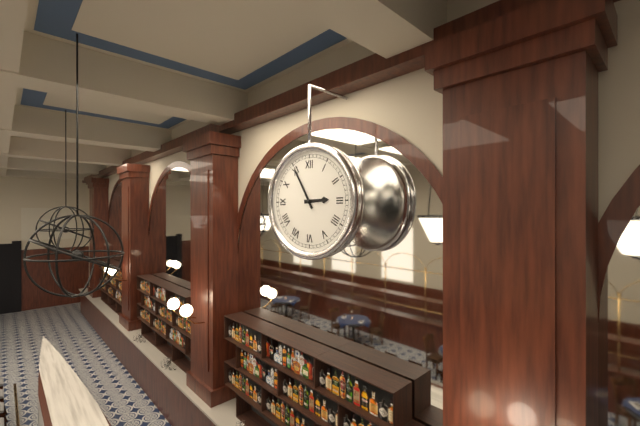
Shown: 2:55
